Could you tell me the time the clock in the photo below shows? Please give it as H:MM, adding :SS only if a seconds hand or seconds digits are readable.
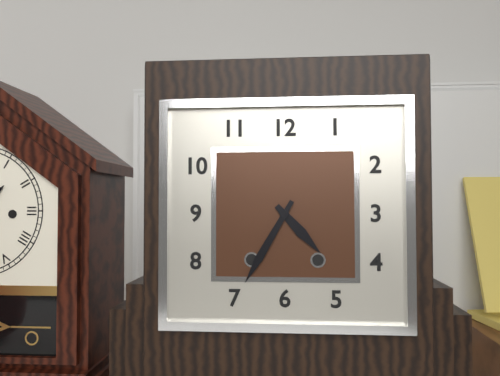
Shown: 4:35
